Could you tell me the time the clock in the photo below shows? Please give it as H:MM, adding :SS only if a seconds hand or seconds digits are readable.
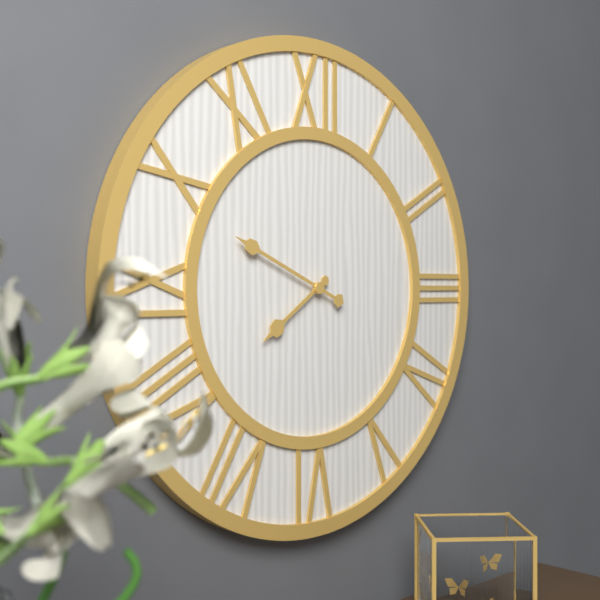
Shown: 7:49
